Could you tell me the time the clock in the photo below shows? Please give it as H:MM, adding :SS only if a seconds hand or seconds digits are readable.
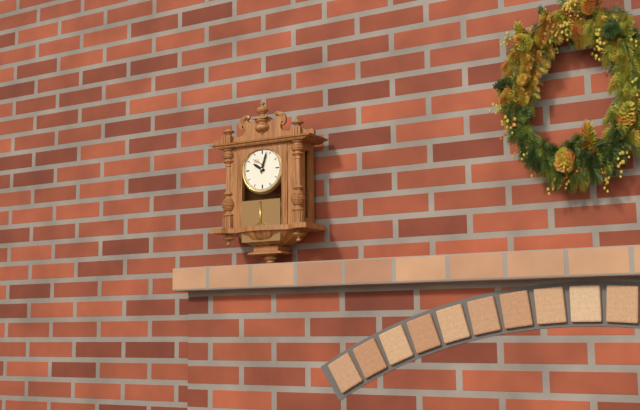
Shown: 10:03
